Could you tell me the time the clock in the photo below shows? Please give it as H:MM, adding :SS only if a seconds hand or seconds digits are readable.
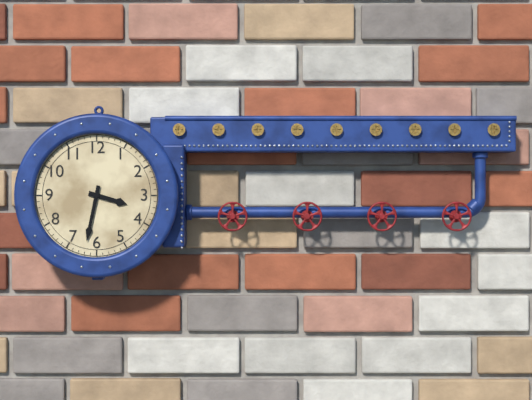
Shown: 3:32
